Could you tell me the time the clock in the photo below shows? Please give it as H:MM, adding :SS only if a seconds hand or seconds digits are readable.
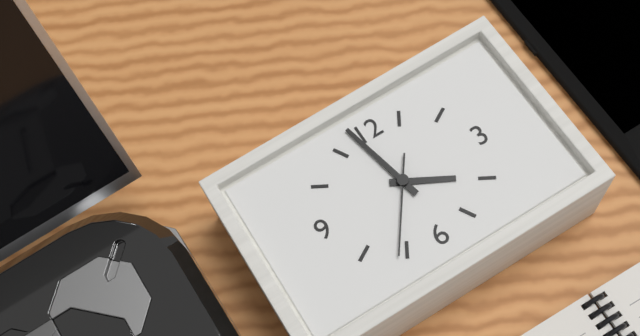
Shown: 3:58:36
